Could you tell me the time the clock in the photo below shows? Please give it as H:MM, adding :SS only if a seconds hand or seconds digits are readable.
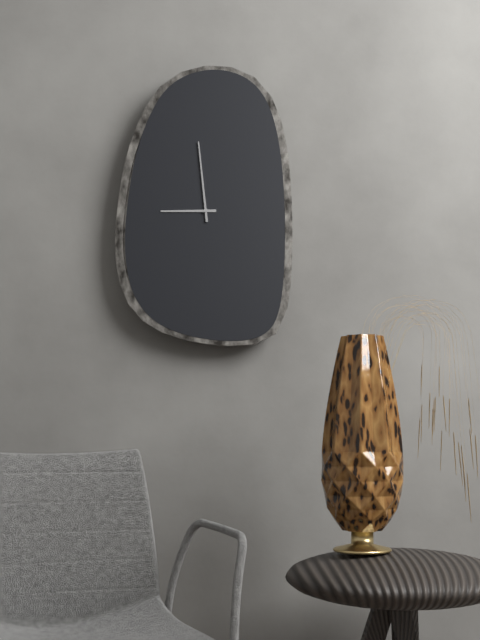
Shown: 8:59
